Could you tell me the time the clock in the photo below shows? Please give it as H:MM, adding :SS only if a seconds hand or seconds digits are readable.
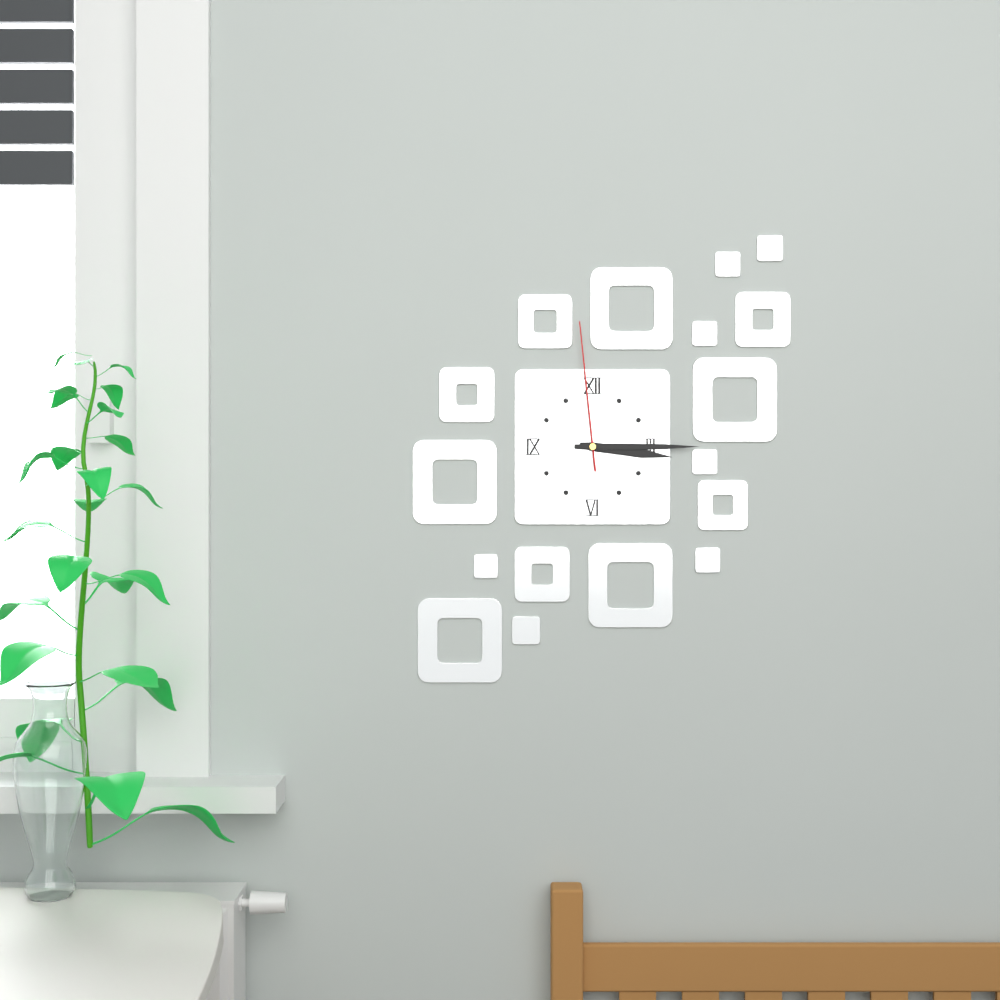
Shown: 3:15:59
